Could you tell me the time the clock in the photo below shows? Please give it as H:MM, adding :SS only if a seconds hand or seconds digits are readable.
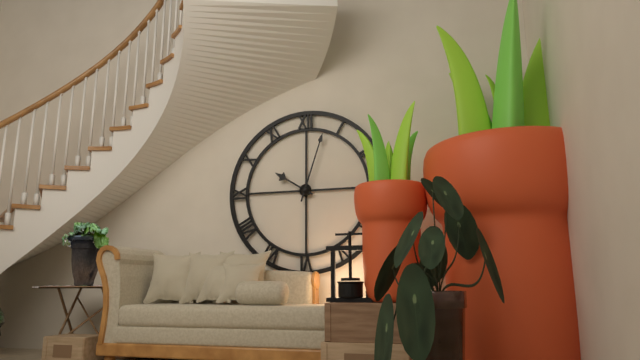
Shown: 10:03
